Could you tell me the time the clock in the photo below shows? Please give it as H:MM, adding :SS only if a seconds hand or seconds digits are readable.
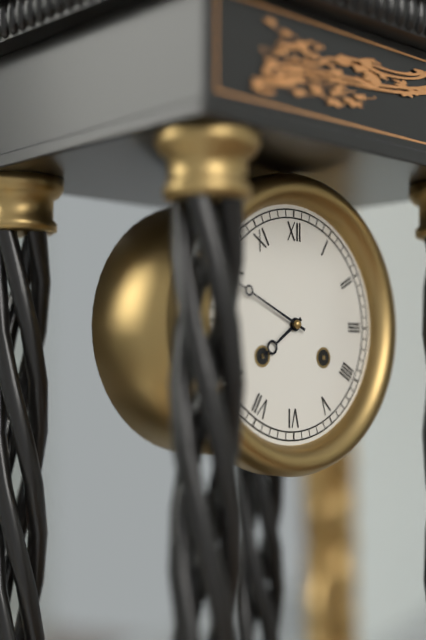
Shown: 7:49
